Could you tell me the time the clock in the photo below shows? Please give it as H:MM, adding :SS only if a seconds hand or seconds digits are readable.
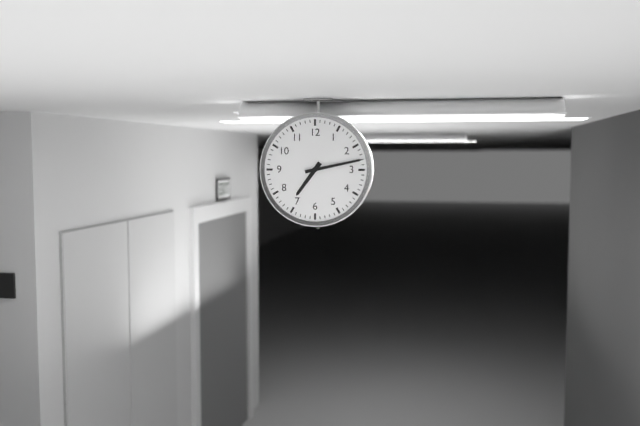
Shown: 7:13
